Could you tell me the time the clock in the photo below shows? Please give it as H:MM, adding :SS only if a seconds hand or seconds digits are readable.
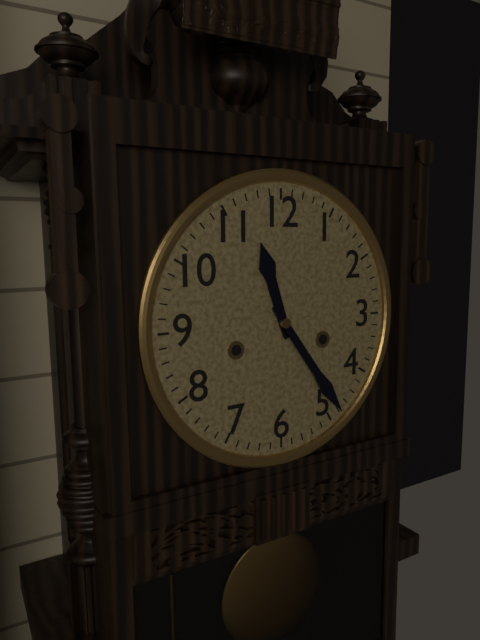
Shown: 11:24
